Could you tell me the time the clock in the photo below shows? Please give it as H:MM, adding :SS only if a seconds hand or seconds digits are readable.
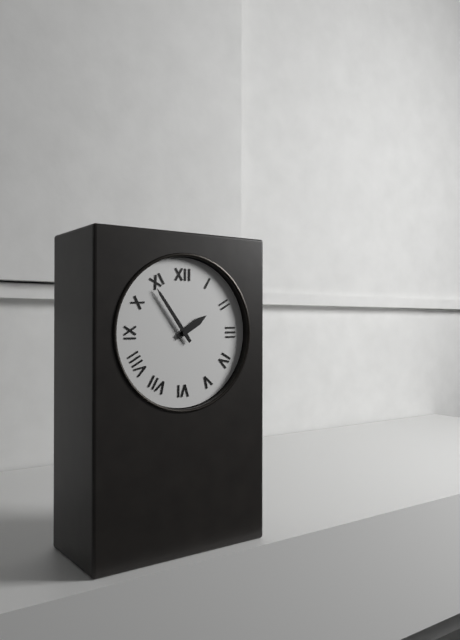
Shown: 1:54
